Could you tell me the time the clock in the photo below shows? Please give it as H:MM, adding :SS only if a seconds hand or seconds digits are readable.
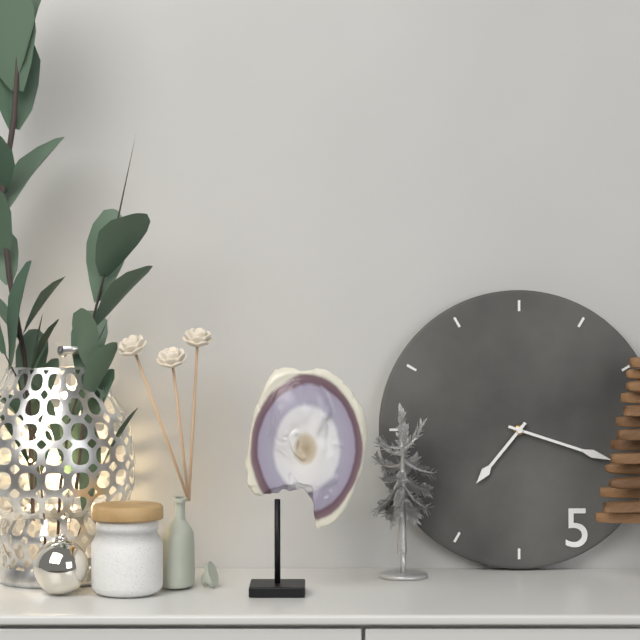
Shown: 7:18
